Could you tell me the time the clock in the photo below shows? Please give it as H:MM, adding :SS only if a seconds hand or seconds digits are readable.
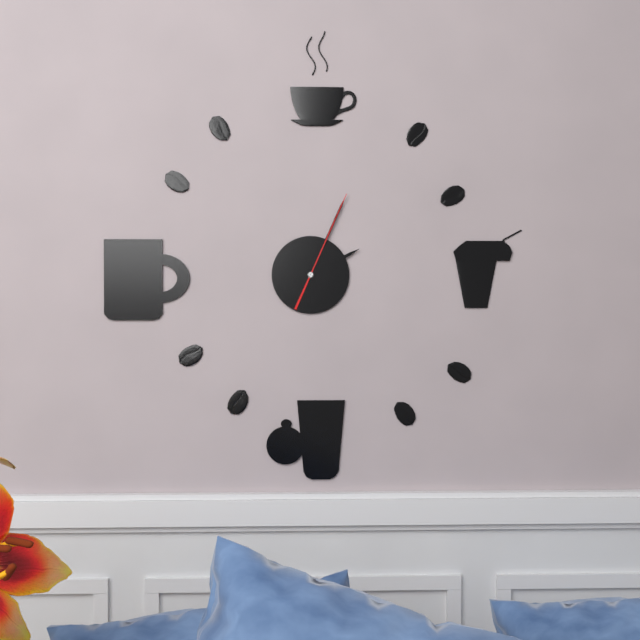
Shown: 2:04:04
